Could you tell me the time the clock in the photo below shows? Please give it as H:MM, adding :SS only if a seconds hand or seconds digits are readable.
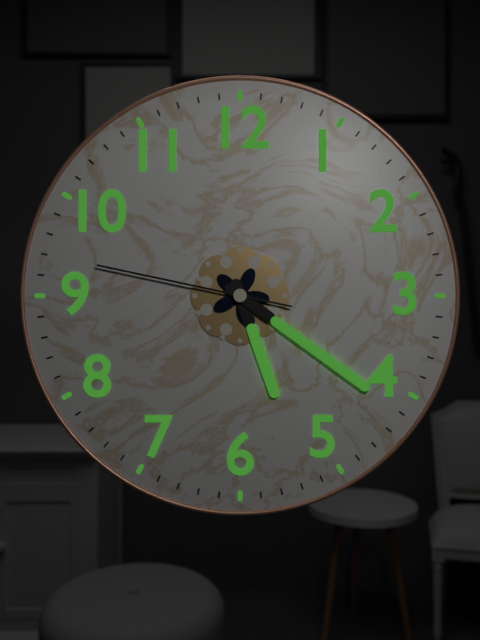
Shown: 5:21:47
